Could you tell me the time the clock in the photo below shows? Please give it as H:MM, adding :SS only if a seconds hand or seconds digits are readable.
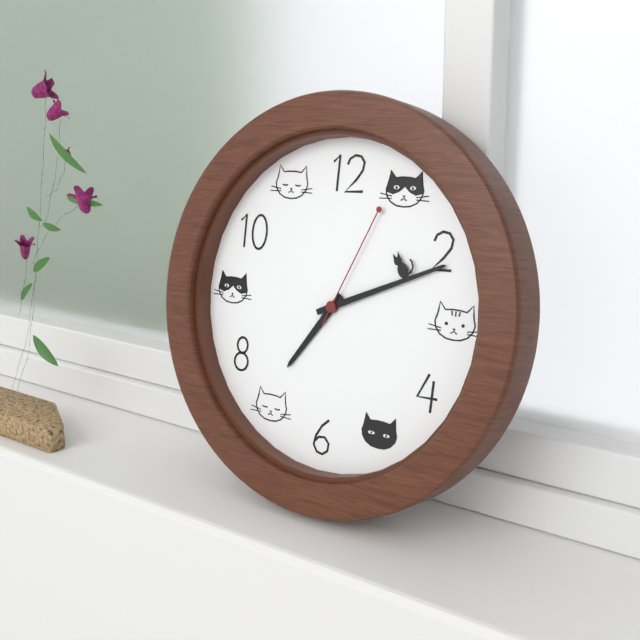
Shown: 7:11:04
